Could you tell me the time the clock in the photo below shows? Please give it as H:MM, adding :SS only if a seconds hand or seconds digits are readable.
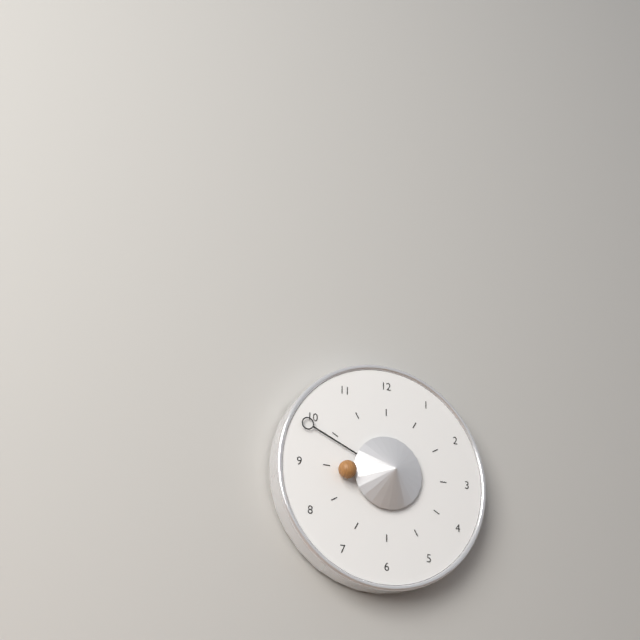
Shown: 8:49
